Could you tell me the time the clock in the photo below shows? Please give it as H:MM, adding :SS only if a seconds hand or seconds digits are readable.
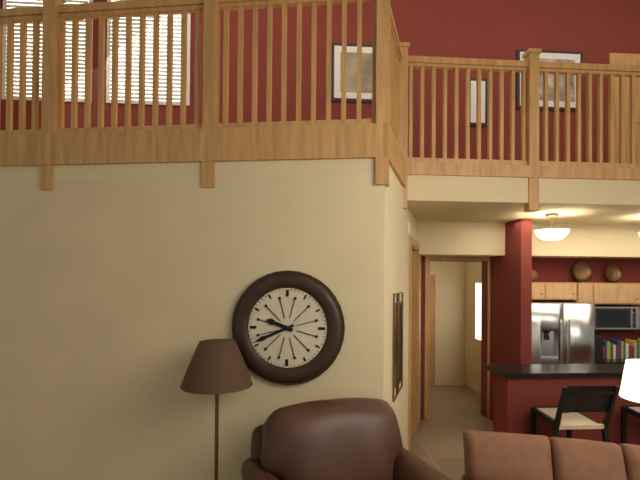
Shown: 9:41
